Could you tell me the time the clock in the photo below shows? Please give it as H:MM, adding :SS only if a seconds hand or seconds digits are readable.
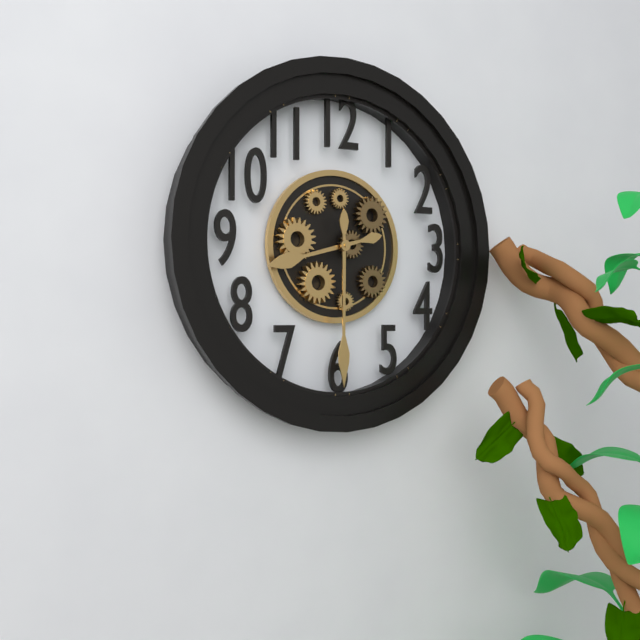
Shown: 8:30
